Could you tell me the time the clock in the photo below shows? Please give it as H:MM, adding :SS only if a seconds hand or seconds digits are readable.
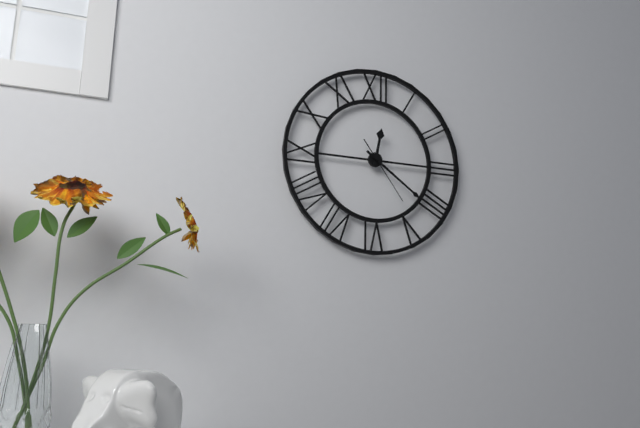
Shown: 12:21:24
